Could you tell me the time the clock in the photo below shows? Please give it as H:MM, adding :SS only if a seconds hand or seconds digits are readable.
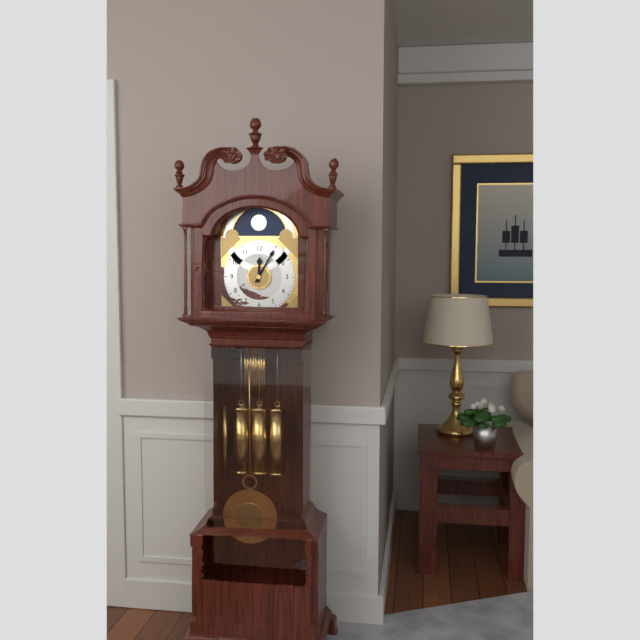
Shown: 12:05
